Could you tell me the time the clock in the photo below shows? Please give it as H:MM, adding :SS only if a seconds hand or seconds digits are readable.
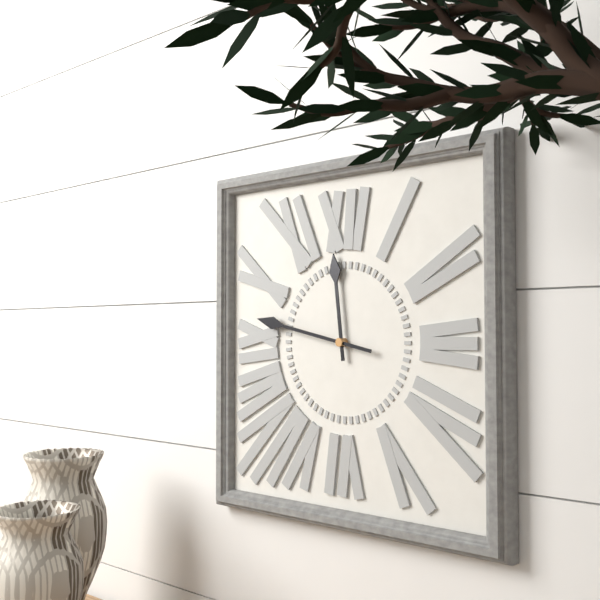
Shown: 11:47
